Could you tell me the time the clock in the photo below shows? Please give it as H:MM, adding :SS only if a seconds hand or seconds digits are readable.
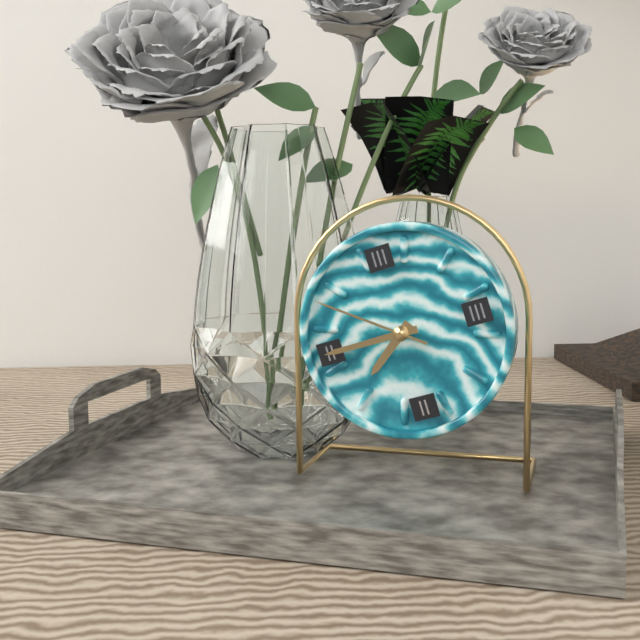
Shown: 7:45:51
